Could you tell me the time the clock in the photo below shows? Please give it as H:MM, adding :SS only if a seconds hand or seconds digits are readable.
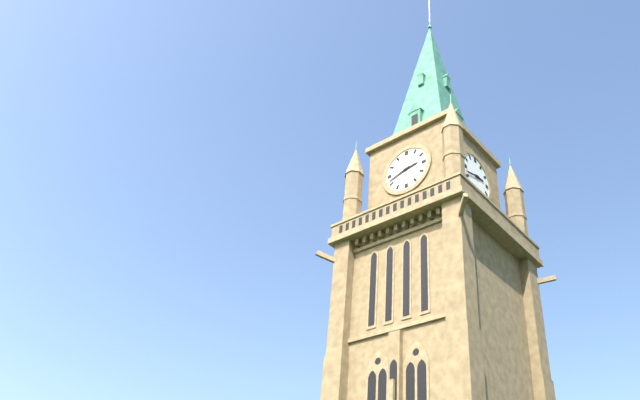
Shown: 2:42
